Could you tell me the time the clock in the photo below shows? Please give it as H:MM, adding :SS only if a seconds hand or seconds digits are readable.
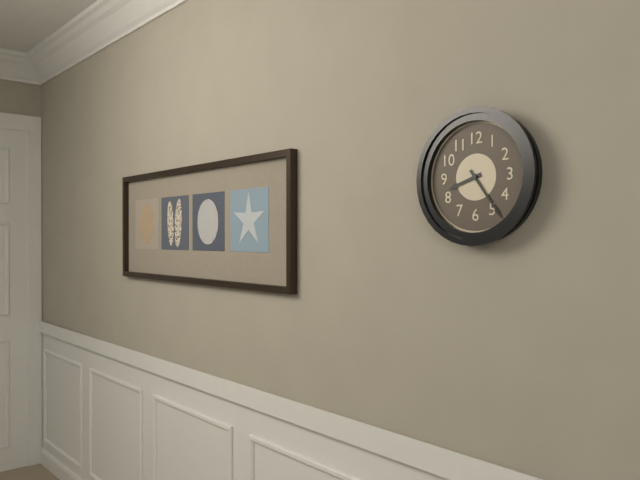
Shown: 8:24
